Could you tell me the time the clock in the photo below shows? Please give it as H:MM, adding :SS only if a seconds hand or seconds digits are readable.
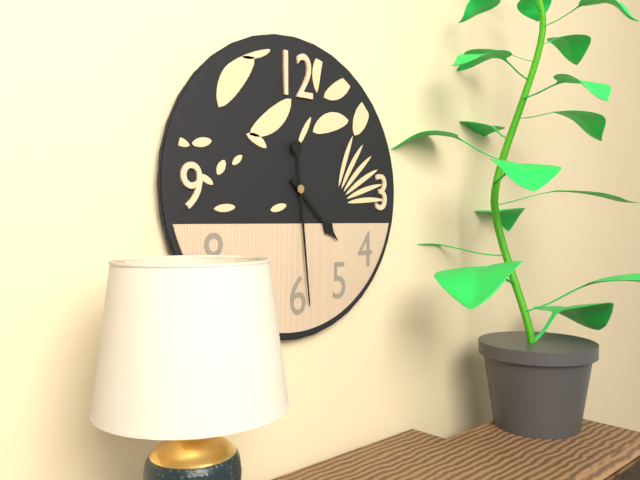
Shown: 4:29
